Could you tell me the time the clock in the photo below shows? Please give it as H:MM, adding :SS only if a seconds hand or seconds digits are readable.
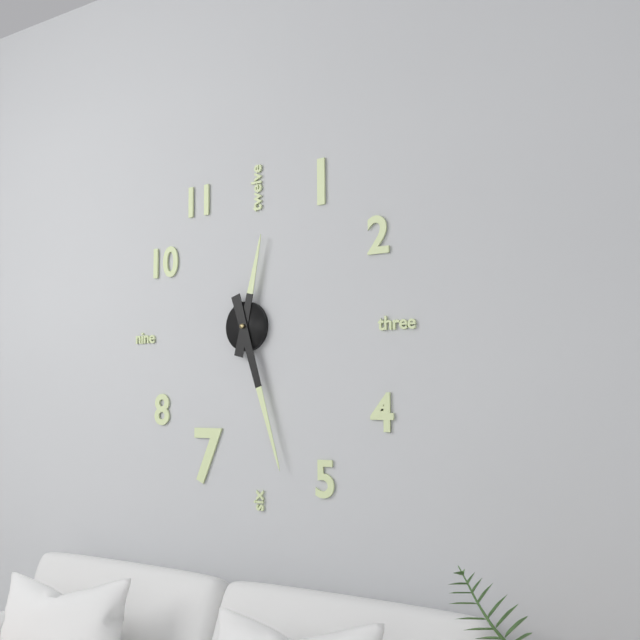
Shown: 12:27
